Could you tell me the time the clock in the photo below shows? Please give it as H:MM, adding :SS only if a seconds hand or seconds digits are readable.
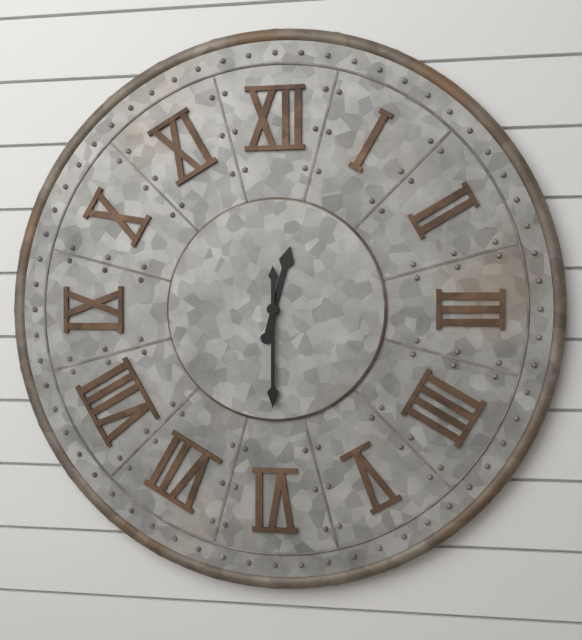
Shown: 12:30
